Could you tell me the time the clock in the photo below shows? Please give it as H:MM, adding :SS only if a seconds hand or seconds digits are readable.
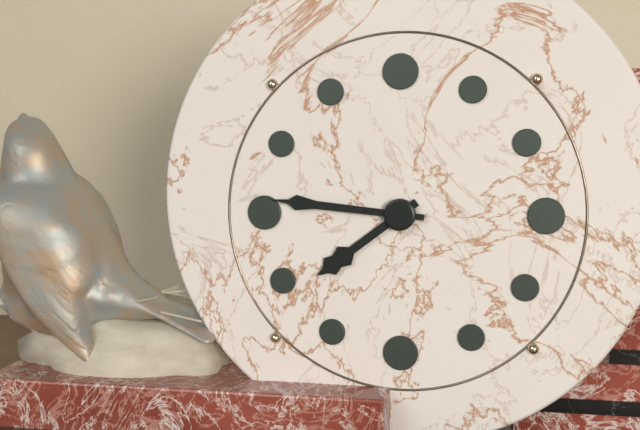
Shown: 7:46
